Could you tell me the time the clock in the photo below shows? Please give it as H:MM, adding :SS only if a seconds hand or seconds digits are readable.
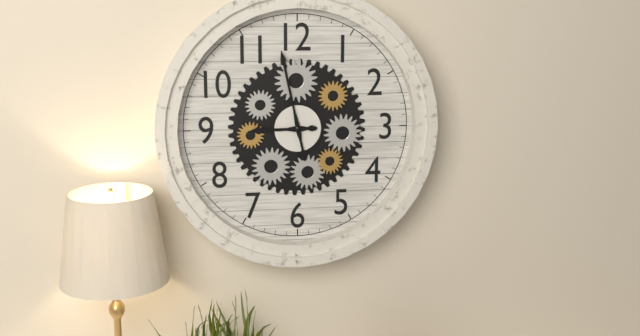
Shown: 8:58
